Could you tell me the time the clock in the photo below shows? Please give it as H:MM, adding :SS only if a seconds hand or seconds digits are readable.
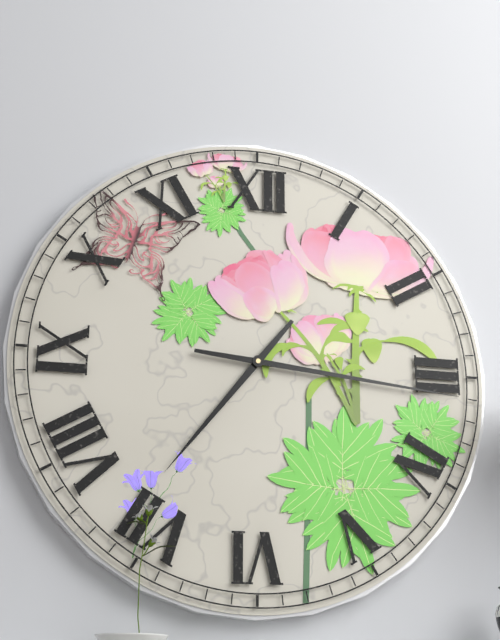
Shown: 7:16
